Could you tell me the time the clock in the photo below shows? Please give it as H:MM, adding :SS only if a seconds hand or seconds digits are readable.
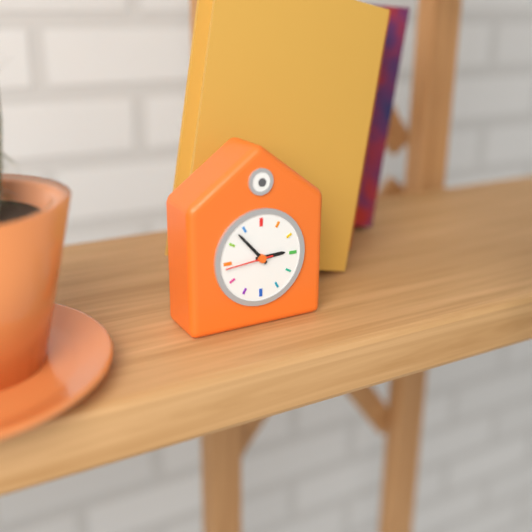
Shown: 2:53
